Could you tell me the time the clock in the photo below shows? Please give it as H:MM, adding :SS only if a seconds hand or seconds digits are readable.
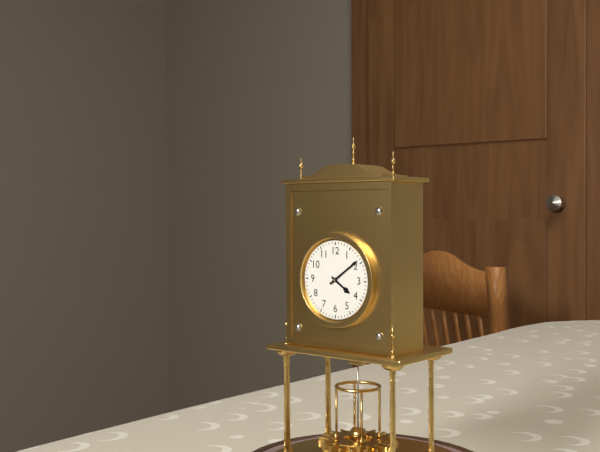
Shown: 4:09
